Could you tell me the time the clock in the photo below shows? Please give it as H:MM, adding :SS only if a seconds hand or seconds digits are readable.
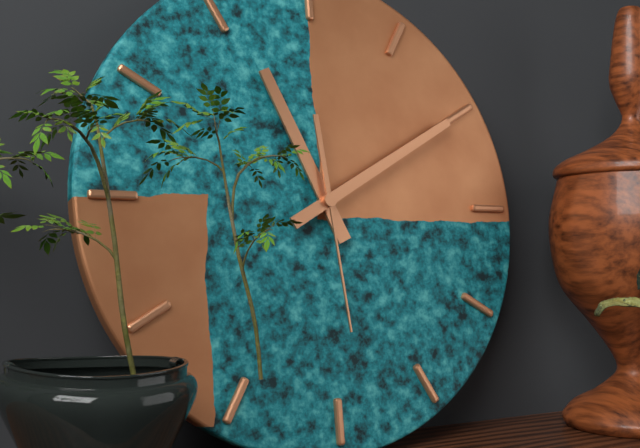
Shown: 11:10:29
